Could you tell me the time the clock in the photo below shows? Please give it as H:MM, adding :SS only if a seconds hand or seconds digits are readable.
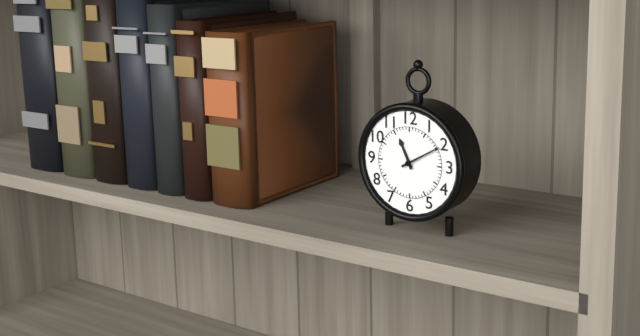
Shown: 11:10
